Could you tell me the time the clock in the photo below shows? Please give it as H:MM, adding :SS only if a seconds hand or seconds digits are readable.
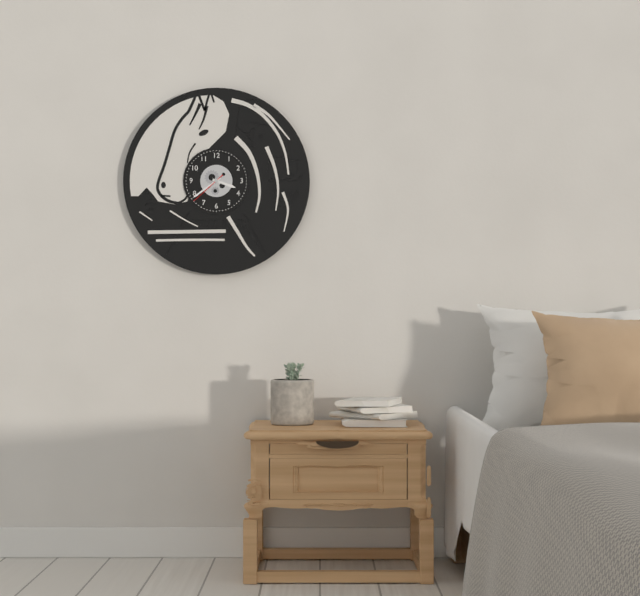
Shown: 3:39
